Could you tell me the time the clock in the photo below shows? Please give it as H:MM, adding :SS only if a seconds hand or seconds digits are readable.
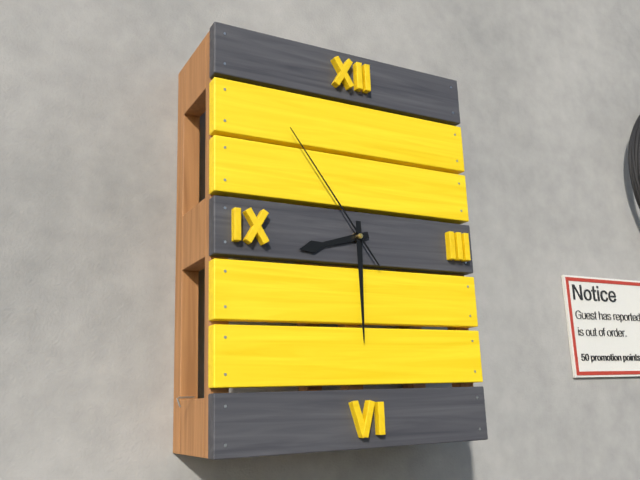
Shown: 8:30:54
